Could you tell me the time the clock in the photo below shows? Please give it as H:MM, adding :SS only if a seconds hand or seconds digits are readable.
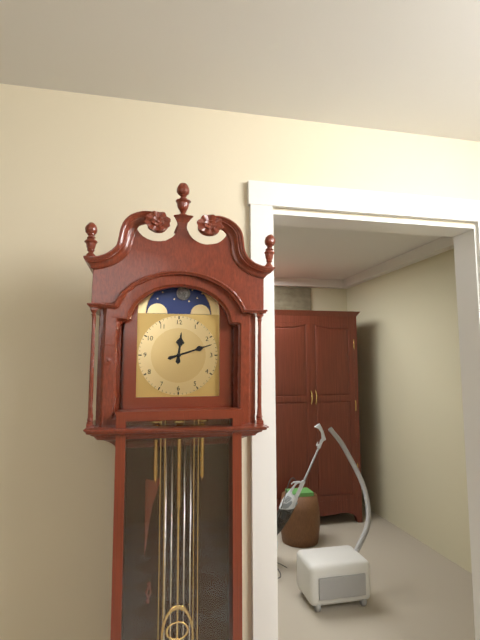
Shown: 12:12
